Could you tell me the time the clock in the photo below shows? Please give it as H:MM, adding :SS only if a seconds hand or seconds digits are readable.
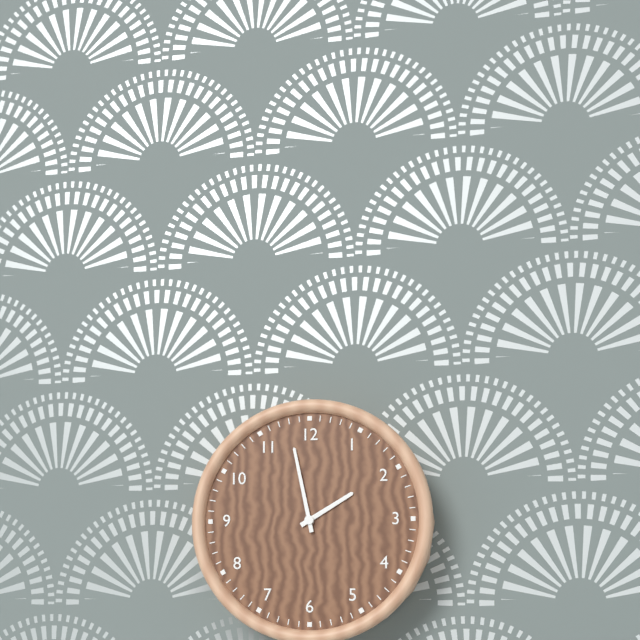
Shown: 1:58
